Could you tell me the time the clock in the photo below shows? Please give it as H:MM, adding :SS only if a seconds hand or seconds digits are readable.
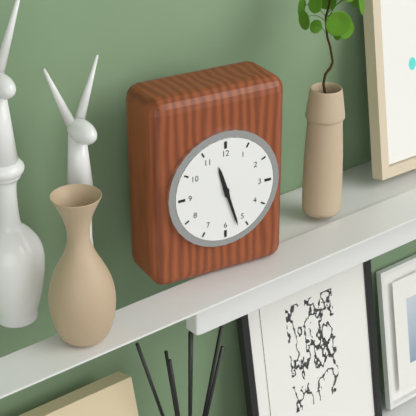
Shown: 11:27
